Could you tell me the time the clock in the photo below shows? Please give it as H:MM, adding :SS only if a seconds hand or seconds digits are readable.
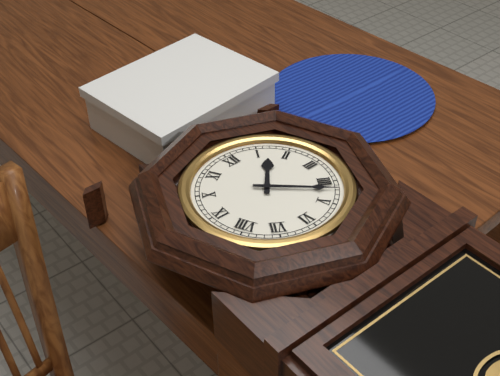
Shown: 1:22
